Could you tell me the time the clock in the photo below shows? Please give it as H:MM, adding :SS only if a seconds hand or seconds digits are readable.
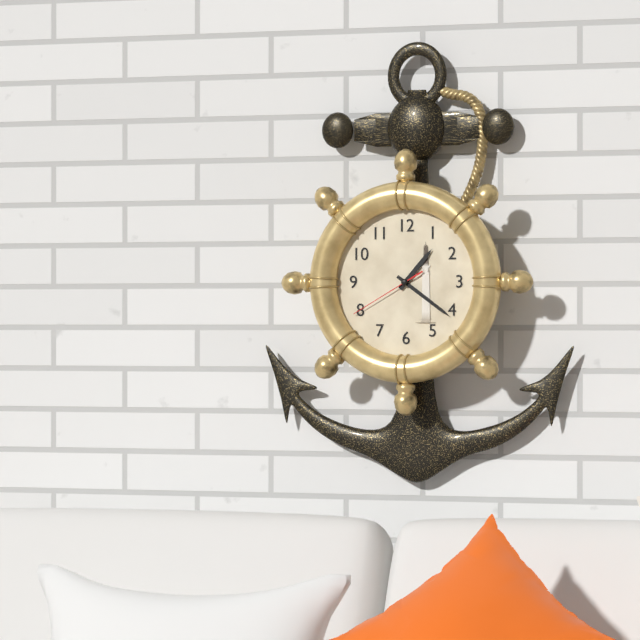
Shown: 1:21:40
